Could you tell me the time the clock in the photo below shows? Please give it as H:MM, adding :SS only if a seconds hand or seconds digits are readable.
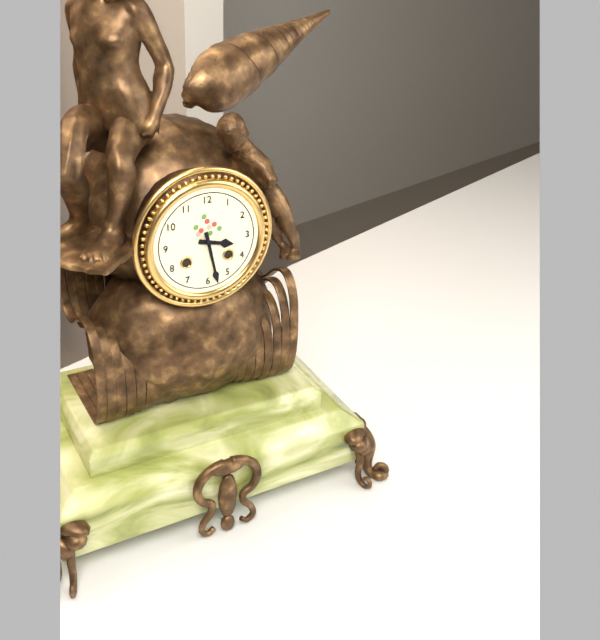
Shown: 3:28
